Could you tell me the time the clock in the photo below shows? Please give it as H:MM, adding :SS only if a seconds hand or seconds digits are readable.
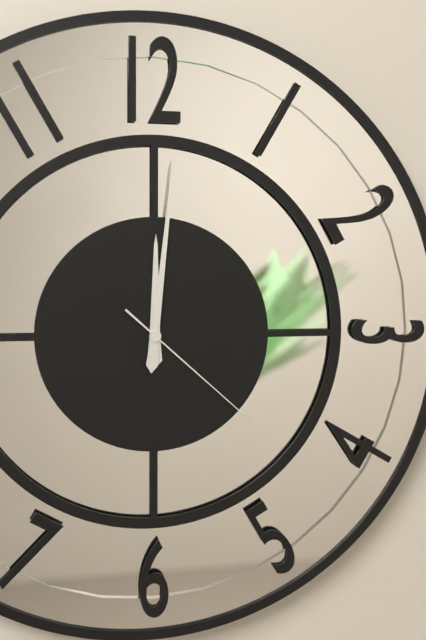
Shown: 12:01:22
